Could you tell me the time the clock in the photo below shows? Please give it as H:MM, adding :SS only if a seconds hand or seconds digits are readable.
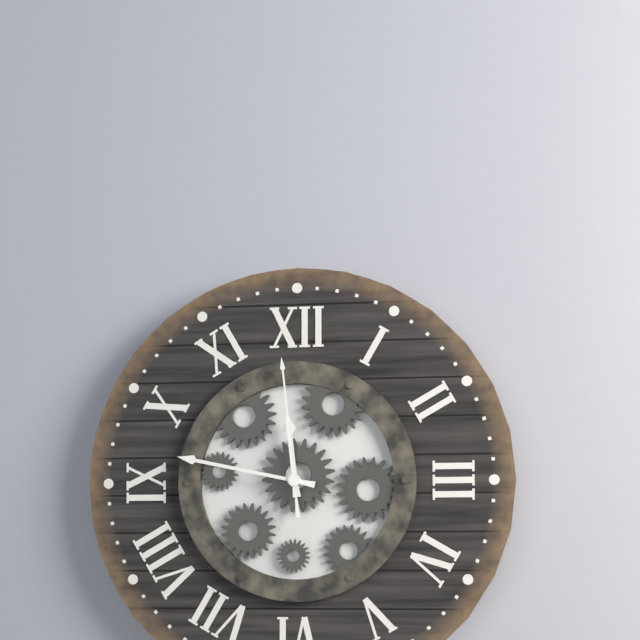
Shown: 11:47:59
